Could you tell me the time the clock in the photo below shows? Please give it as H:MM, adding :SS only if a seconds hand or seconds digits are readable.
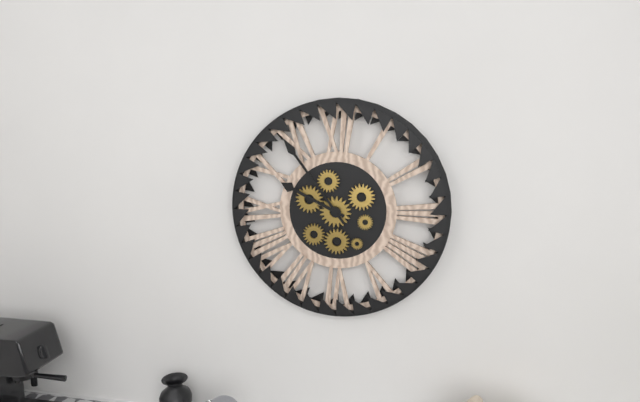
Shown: 9:54
